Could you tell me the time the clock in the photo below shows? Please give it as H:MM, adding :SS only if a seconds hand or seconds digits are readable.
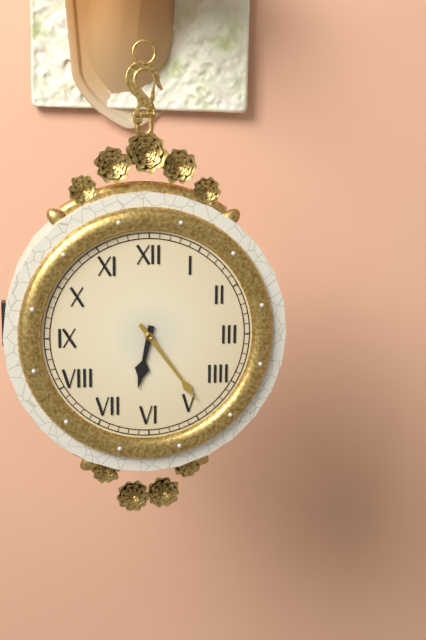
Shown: 6:24
